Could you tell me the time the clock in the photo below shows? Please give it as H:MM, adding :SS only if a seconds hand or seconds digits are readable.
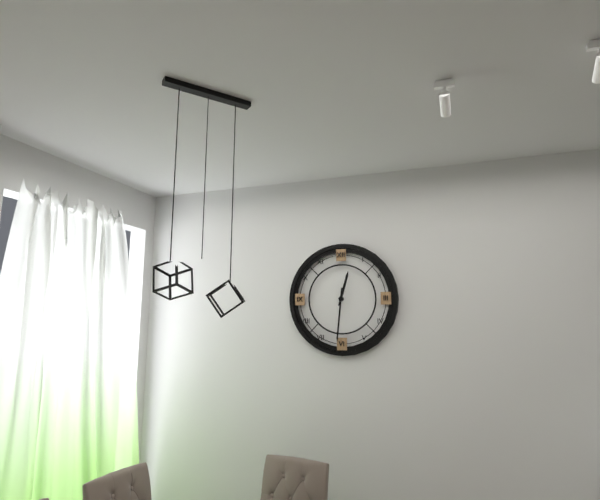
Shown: 12:31
